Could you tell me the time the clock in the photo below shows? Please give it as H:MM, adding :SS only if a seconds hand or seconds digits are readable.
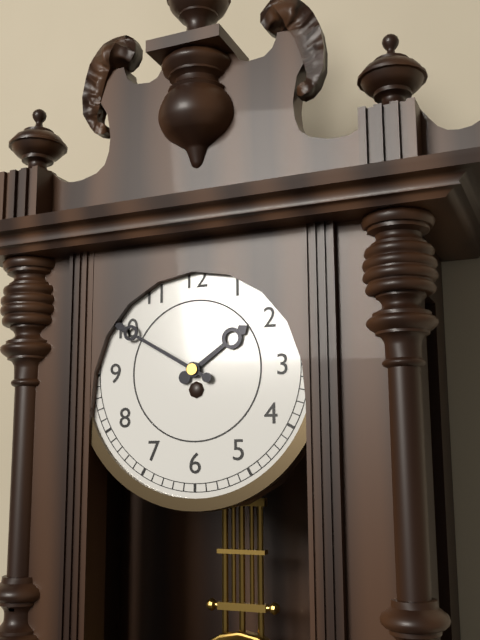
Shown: 1:50
